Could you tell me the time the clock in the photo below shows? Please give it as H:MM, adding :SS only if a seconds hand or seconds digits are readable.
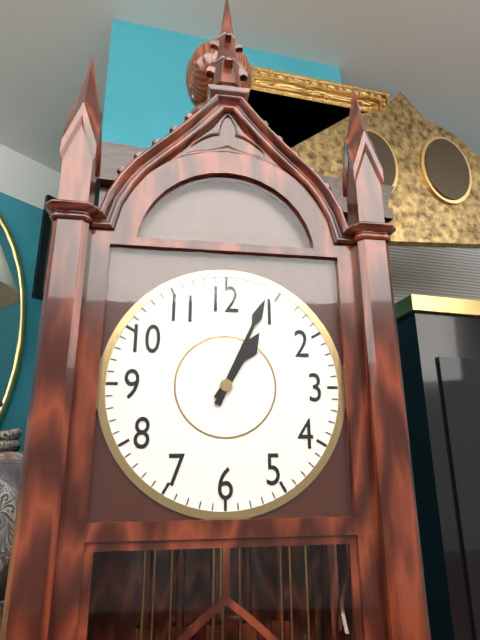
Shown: 1:04
